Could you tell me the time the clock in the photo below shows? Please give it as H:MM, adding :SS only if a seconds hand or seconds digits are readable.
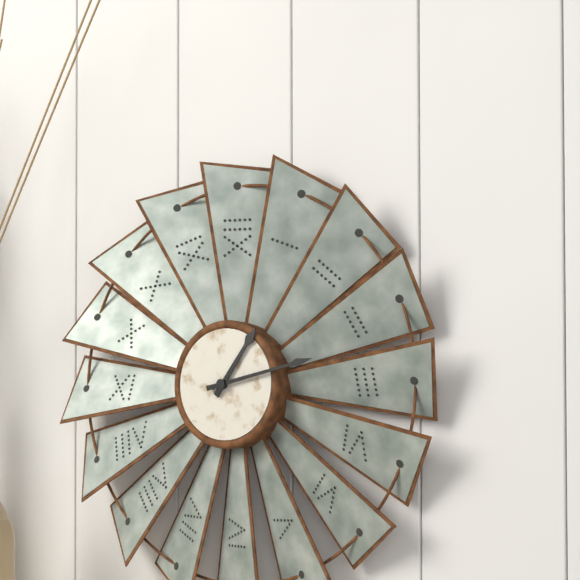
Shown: 1:13
